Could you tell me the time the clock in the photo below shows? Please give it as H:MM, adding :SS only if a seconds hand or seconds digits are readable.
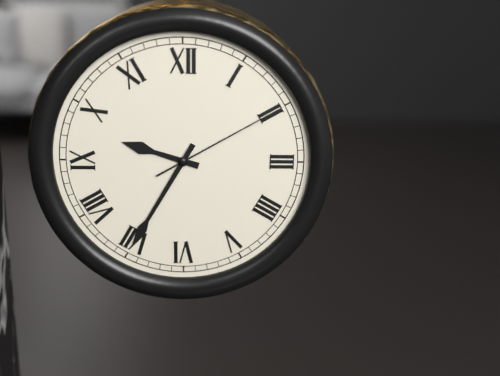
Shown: 9:35:10
